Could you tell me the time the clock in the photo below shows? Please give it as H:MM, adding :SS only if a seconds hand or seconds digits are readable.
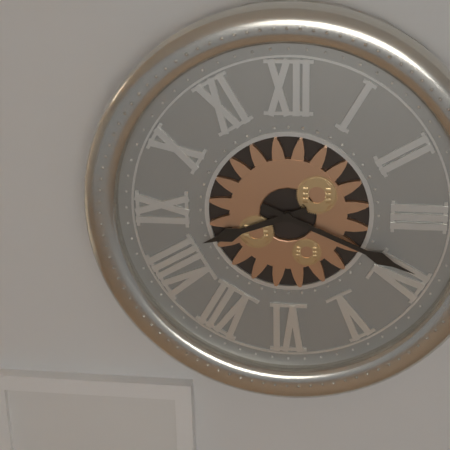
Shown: 8:19
